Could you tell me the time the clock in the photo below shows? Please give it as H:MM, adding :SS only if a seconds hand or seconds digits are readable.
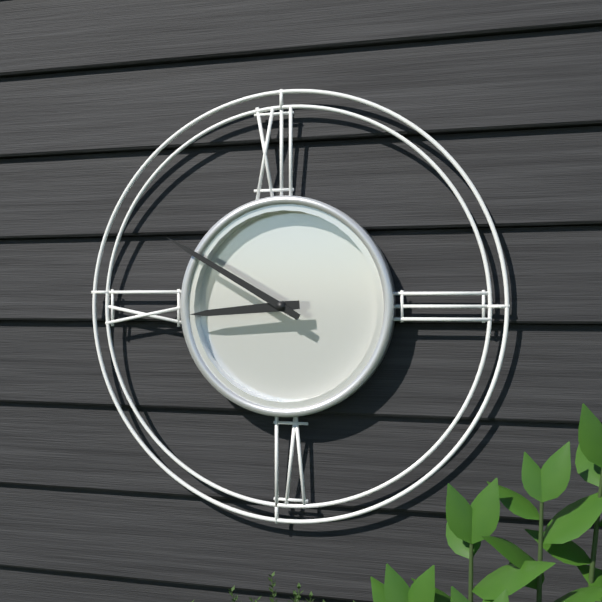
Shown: 8:50
